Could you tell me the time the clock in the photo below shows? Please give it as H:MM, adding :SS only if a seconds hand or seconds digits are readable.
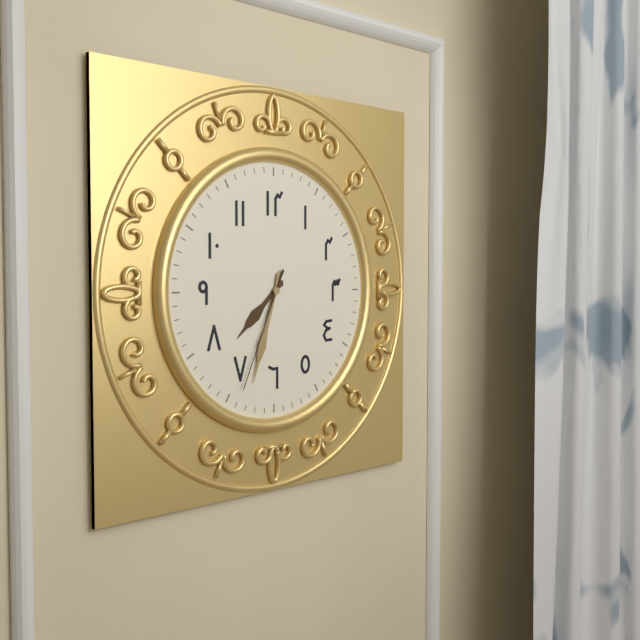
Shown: 7:33:34
